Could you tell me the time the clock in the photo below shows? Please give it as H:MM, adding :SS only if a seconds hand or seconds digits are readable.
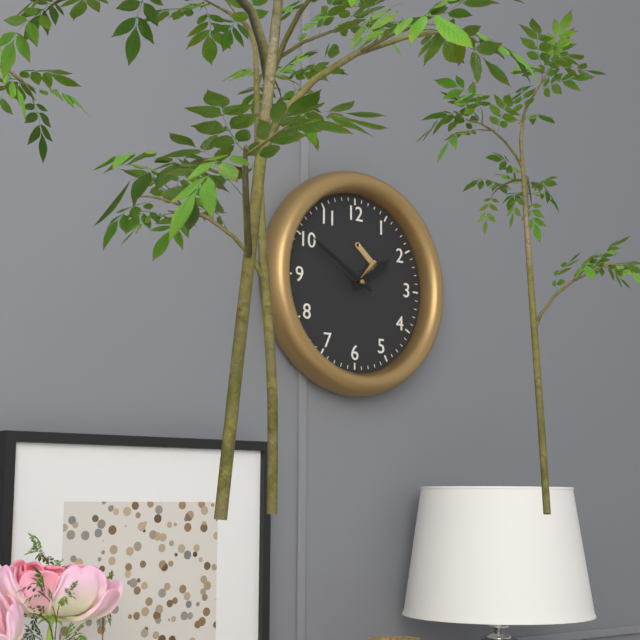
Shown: 1:50
